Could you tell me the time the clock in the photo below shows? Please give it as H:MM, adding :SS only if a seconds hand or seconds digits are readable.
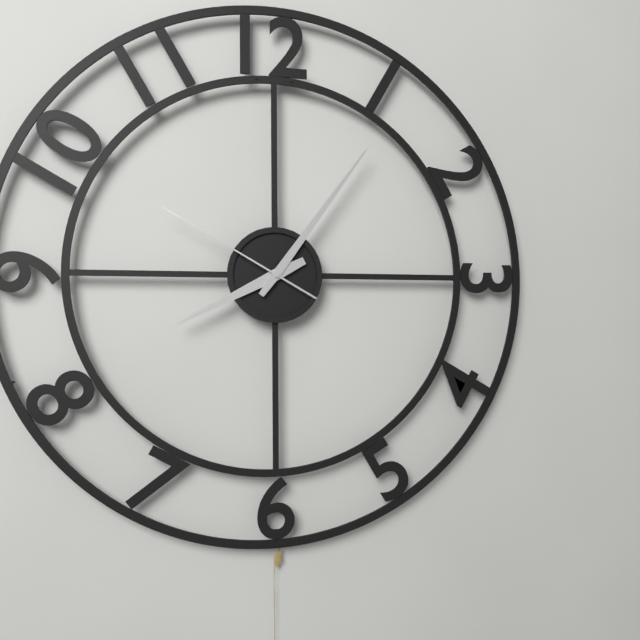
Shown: 8:06:50
